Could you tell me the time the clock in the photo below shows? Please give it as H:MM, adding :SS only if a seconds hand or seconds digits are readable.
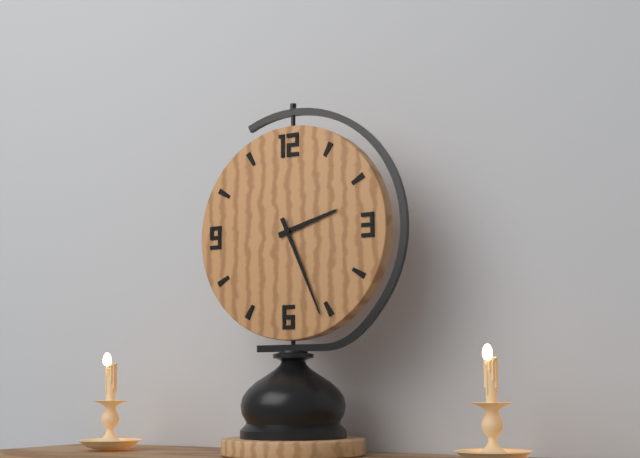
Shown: 2:26
